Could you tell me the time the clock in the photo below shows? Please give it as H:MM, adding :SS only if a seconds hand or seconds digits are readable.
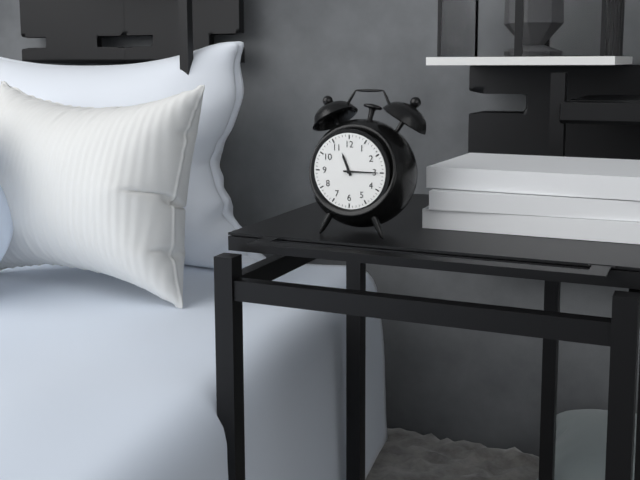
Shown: 11:15
